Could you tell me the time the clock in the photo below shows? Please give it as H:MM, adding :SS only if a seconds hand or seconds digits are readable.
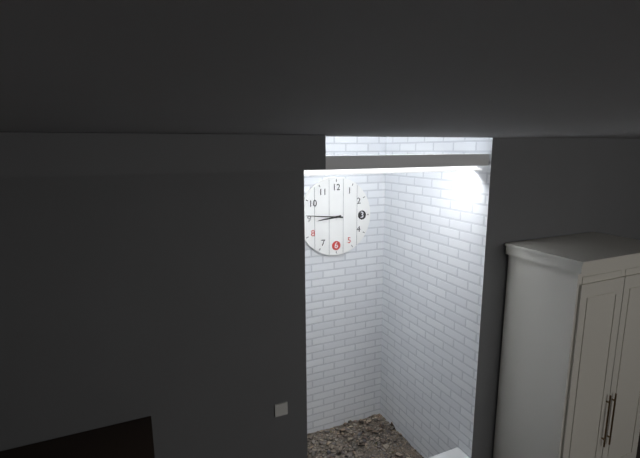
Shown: 8:46
